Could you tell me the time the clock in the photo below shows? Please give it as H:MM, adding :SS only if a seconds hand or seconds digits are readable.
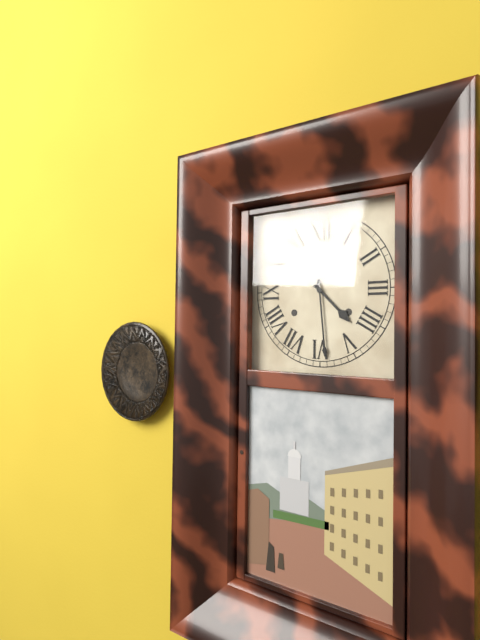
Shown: 4:29
